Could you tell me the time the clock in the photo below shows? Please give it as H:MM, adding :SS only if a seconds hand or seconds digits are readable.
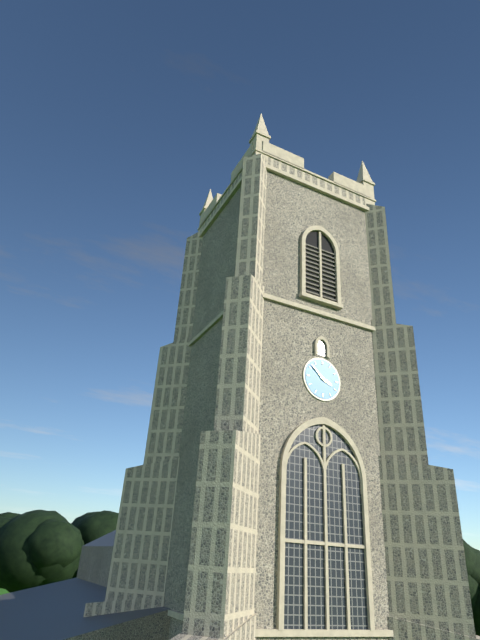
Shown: 3:52
